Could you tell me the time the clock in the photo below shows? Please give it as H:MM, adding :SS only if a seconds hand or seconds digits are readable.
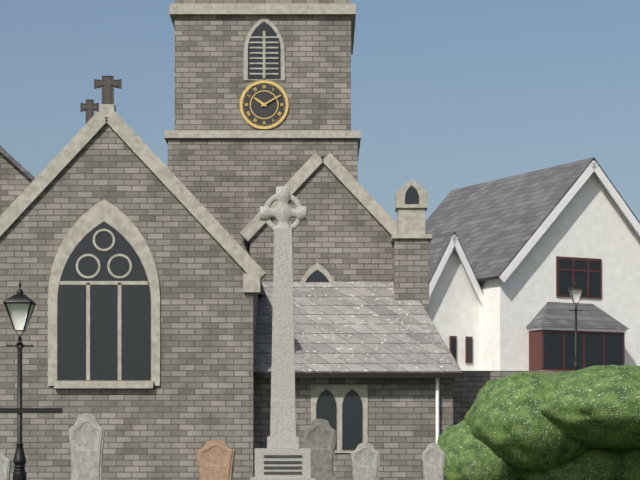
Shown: 10:10
